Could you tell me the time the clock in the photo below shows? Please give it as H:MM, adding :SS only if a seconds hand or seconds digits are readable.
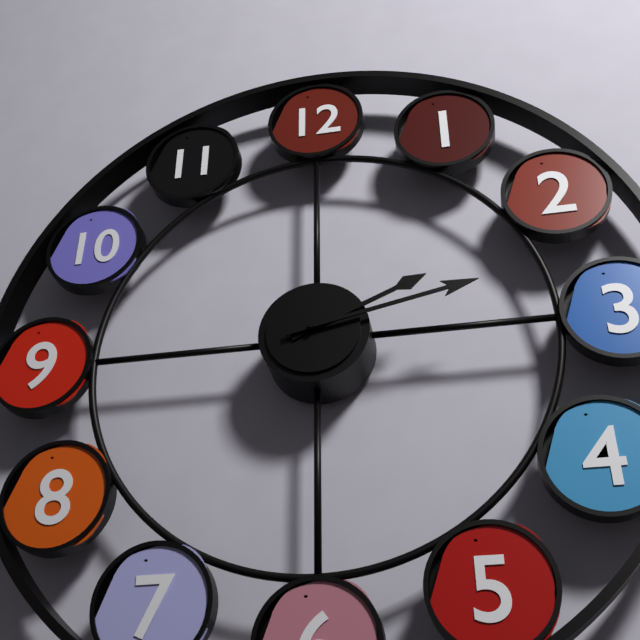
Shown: 2:13
